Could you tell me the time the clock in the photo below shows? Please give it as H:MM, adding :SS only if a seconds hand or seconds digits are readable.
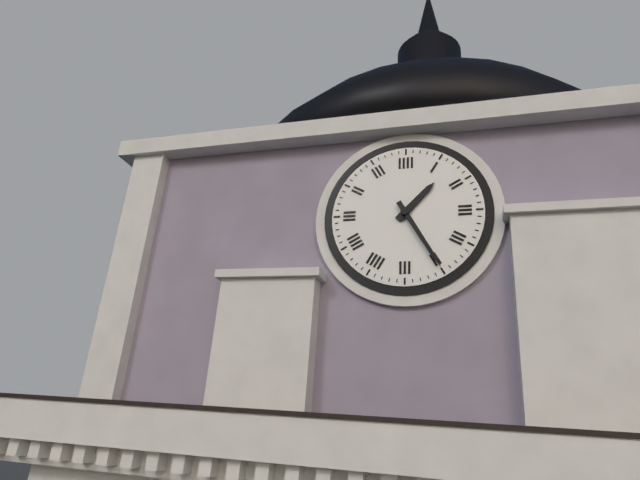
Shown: 1:25
